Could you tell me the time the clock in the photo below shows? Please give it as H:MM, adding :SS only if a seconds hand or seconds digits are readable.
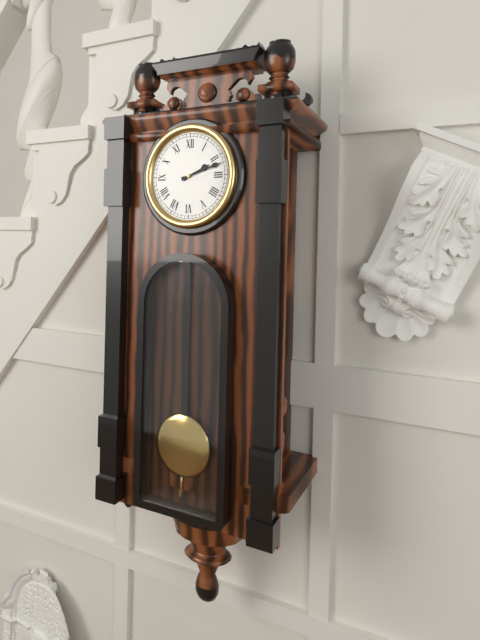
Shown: 2:12
